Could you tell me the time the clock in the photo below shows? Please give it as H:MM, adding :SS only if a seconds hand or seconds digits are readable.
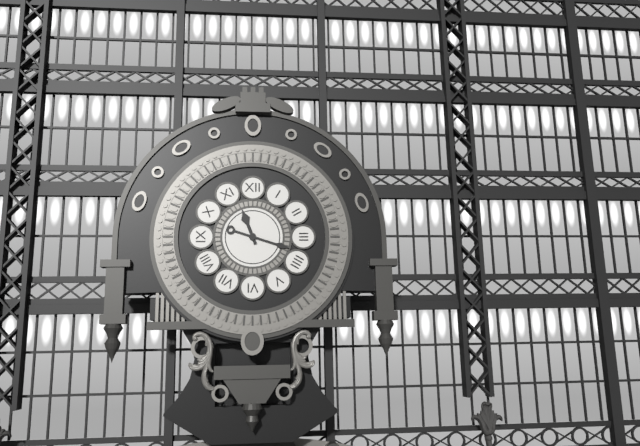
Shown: 11:18
